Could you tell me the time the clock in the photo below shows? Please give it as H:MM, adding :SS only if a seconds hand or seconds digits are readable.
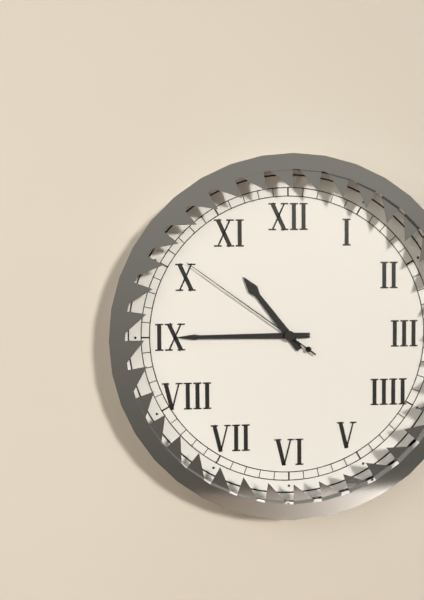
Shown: 10:45:51
